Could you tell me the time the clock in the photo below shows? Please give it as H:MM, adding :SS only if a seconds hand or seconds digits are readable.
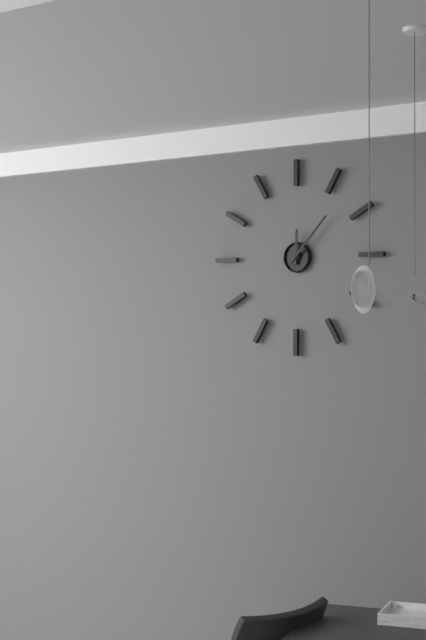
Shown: 12:07
